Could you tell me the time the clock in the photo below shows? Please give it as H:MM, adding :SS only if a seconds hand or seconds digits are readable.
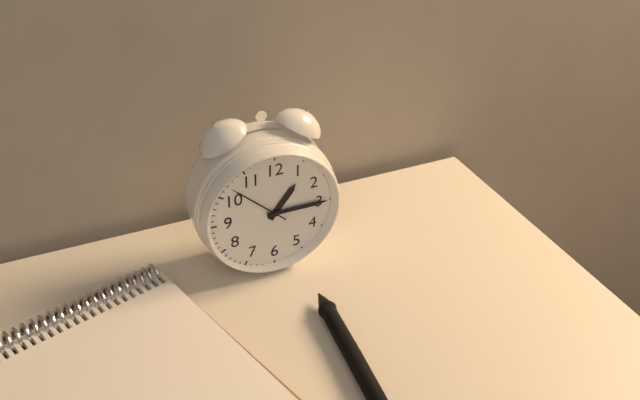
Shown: 1:15:52
